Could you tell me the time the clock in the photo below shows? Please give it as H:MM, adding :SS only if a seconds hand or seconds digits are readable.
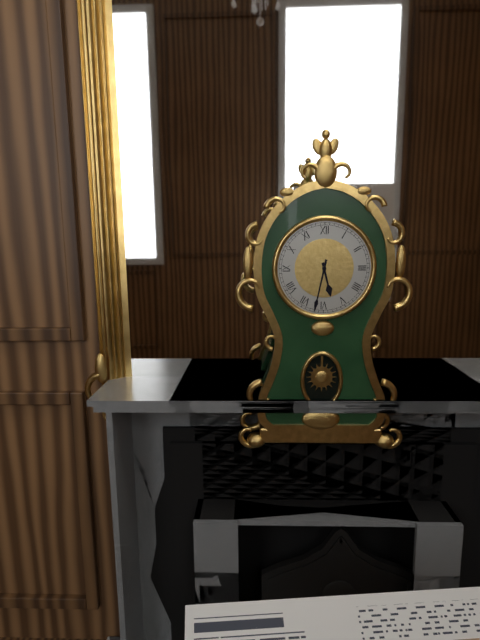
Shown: 5:32
